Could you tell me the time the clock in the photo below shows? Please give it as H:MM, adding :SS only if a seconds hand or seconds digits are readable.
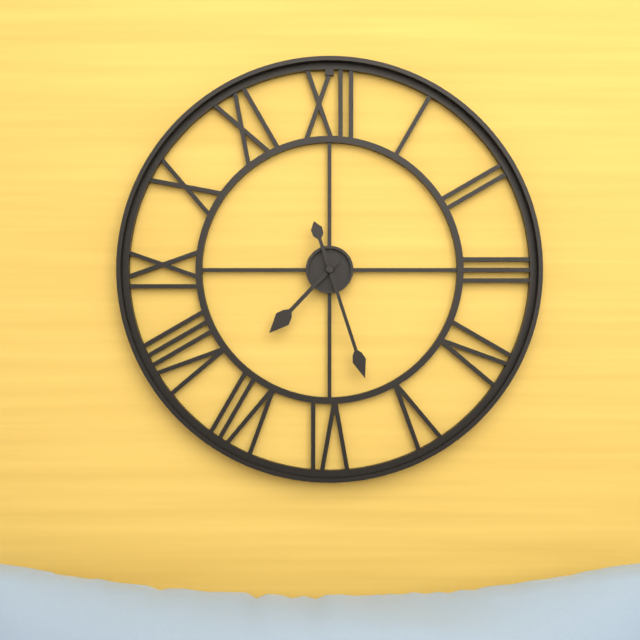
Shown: 7:27
